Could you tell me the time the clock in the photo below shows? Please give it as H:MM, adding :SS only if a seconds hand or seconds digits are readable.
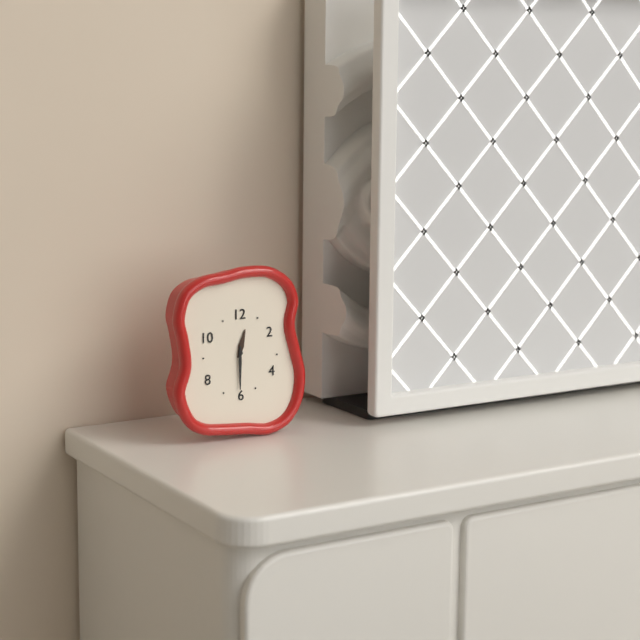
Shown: 12:30
